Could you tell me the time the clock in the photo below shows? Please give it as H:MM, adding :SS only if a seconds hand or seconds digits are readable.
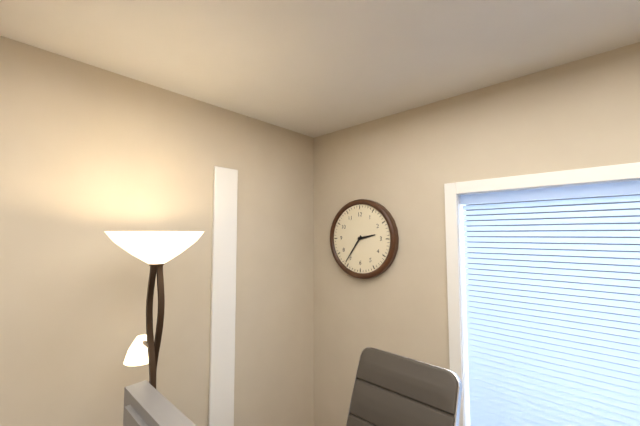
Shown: 2:36
